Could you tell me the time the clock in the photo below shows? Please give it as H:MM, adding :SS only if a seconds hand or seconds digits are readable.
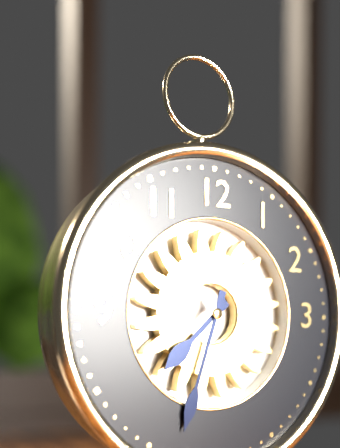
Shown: 7:33
